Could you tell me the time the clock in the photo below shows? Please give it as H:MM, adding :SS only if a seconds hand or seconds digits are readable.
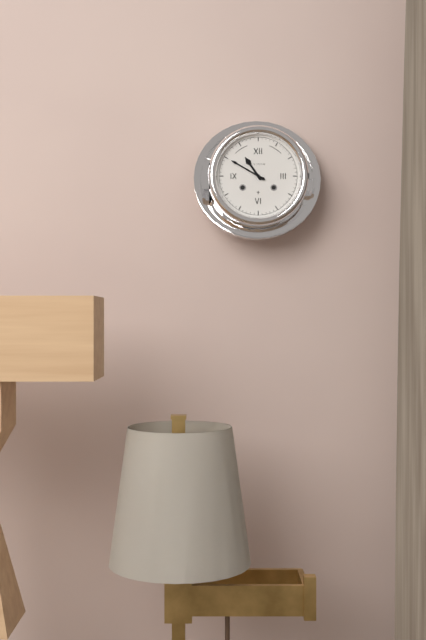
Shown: 10:50
